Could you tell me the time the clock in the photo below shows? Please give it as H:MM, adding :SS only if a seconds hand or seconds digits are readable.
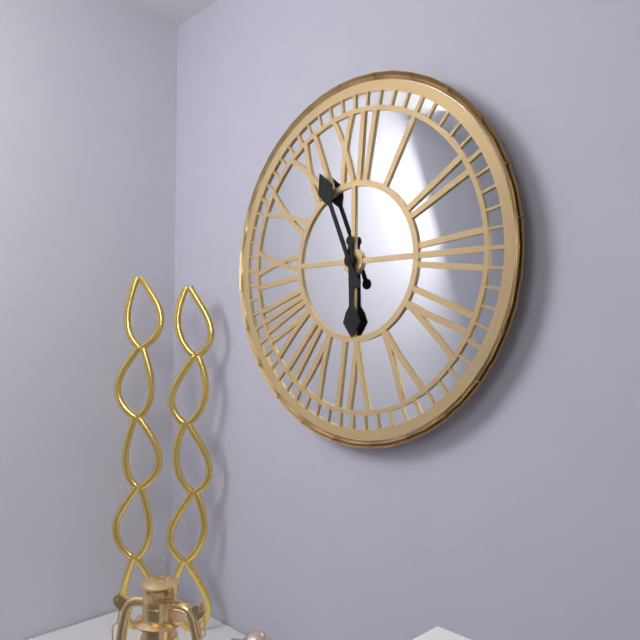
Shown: 5:56
